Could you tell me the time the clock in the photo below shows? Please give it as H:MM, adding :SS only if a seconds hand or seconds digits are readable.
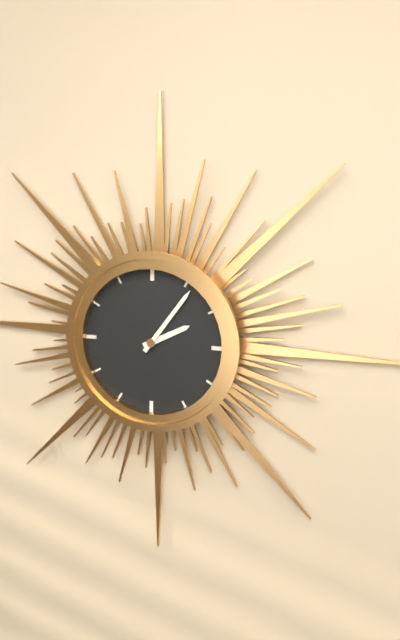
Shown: 2:06
